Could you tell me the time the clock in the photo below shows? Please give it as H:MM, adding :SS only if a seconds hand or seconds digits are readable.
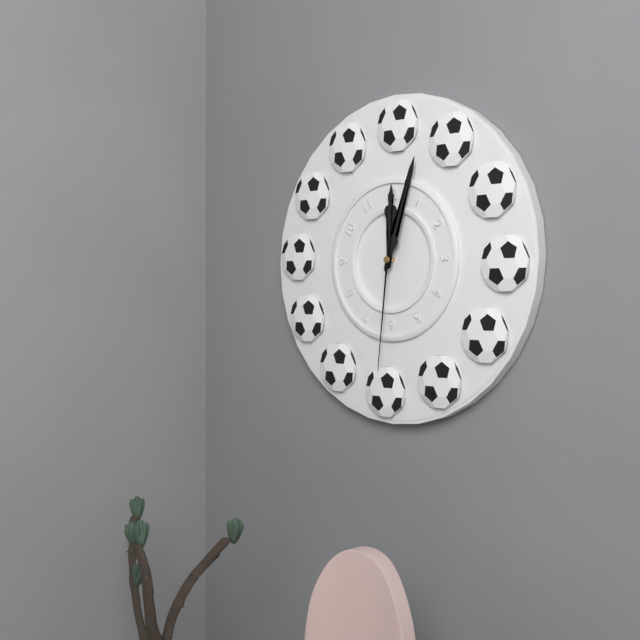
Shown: 12:03:31
